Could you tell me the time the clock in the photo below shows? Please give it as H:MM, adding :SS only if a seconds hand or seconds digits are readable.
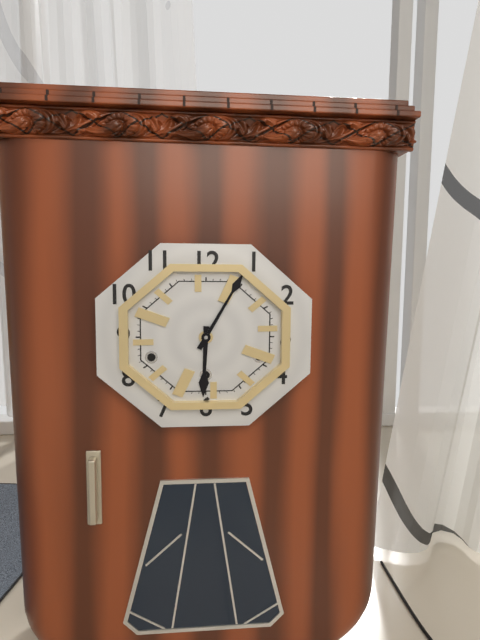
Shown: 6:05
